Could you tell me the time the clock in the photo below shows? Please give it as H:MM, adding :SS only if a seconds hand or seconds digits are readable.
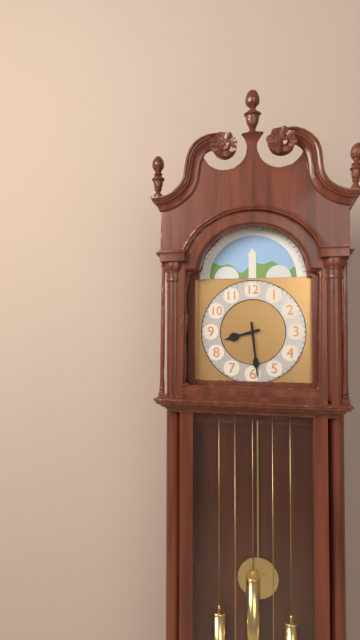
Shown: 8:29
